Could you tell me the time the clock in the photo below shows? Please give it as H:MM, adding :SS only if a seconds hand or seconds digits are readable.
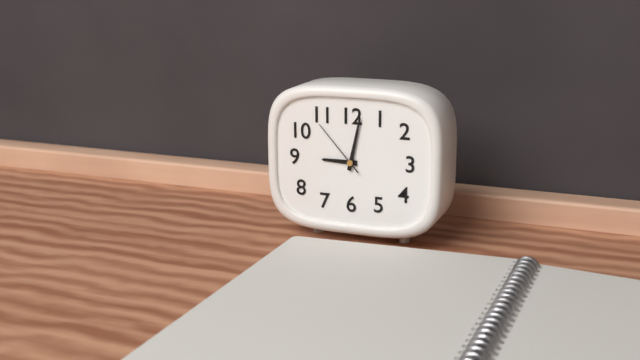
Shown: 9:02:53
